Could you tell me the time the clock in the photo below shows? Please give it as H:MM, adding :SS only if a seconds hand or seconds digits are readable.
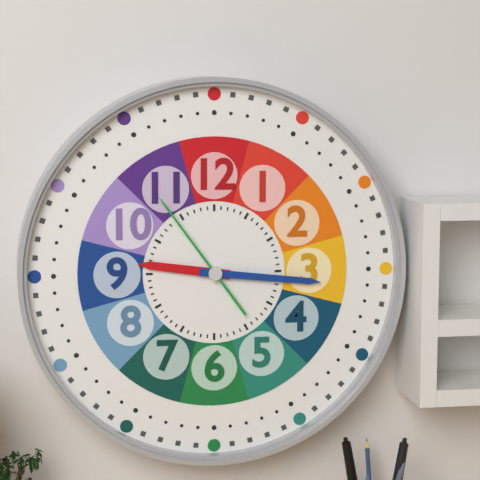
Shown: 9:16:54
